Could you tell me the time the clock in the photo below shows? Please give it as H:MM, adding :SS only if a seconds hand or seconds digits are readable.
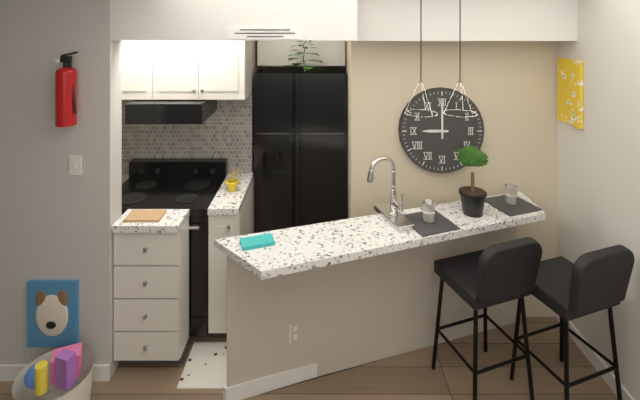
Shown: 9:00
